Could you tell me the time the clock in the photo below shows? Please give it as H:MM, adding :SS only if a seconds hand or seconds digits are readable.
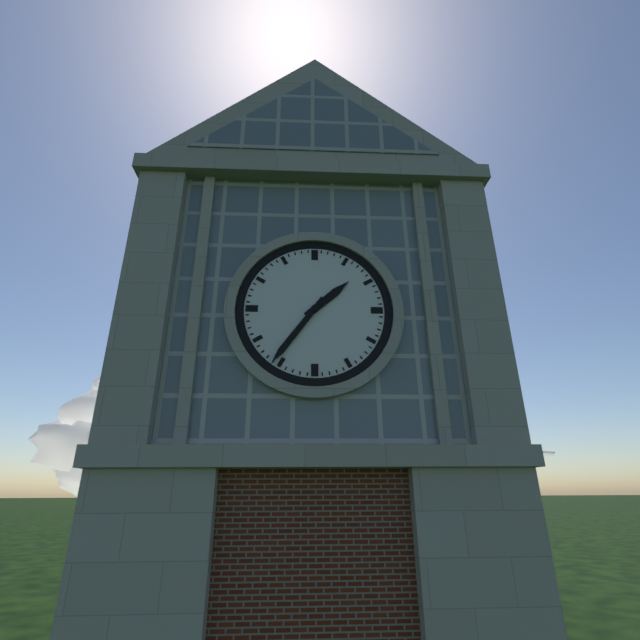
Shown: 1:36
